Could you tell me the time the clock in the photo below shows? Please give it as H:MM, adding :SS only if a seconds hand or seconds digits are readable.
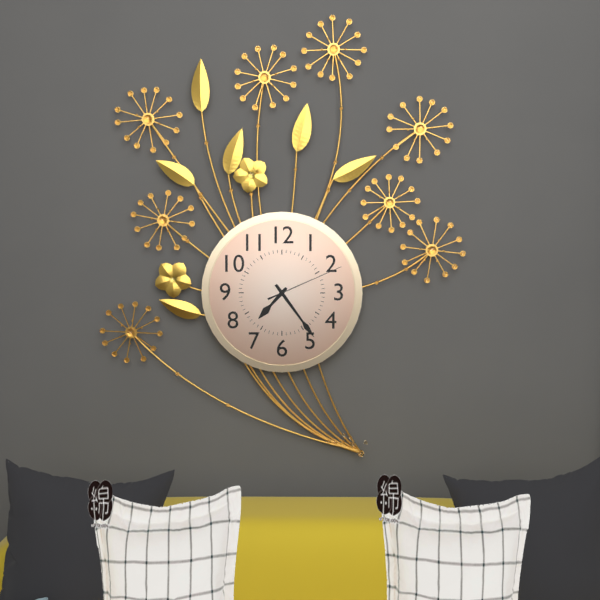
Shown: 7:24:11
